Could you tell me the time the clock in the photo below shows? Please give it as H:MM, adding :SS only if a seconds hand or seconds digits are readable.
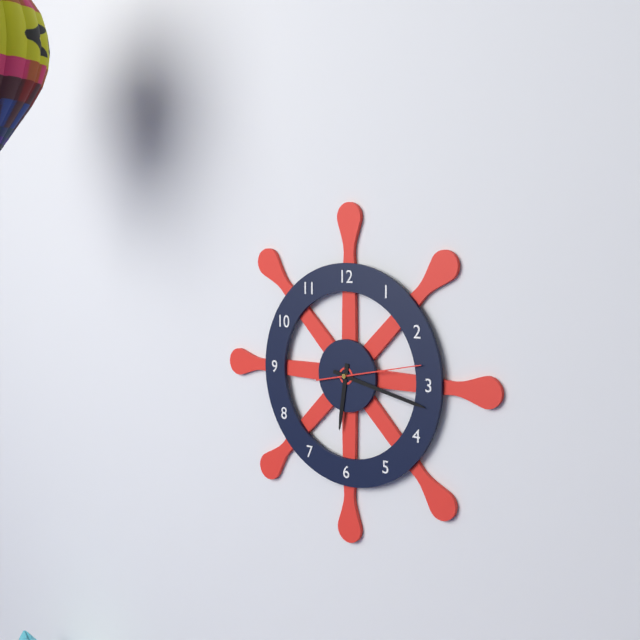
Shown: 6:17:13
